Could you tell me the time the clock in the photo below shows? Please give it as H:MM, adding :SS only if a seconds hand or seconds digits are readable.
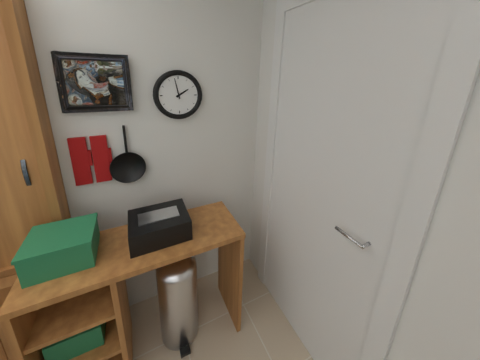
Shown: 1:58
